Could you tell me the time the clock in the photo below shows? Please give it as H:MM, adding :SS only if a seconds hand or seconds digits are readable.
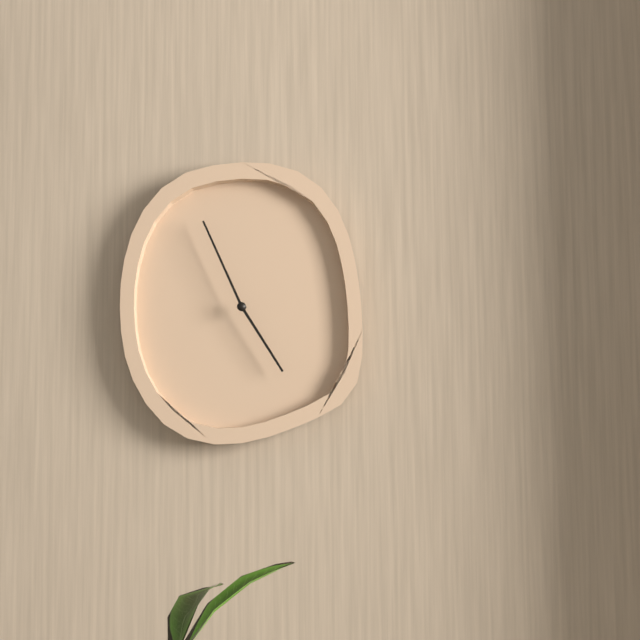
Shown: 4:56
